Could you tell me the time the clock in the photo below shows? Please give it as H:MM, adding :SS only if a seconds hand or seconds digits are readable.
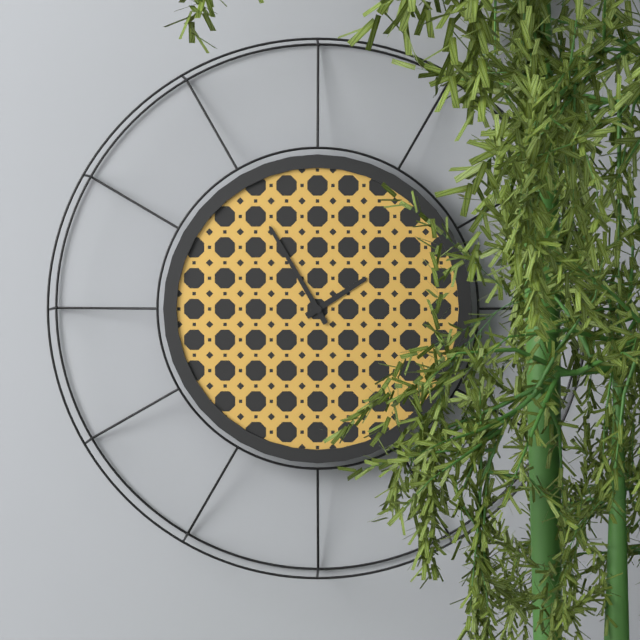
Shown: 1:55
